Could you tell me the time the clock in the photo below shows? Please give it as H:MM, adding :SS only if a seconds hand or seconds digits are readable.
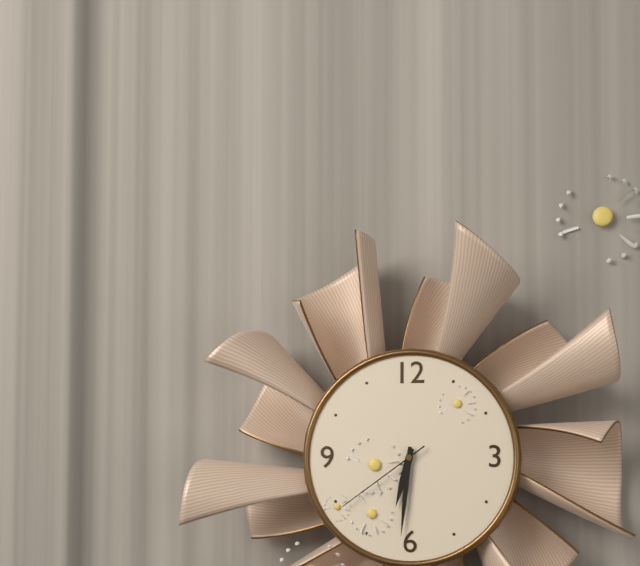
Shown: 6:31:39
